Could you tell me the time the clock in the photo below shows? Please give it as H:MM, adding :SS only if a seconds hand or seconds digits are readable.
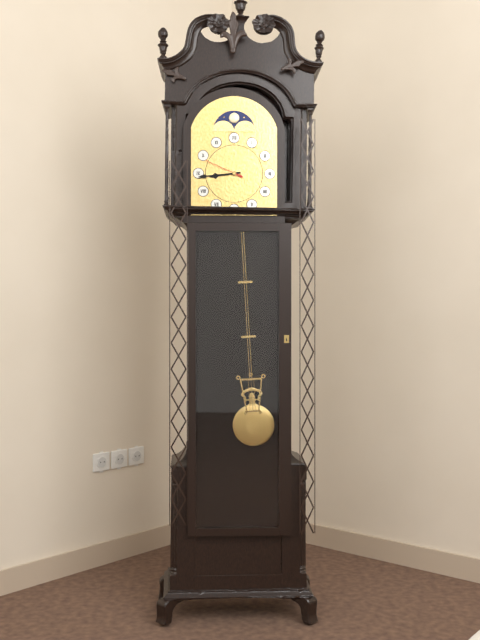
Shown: 8:44
